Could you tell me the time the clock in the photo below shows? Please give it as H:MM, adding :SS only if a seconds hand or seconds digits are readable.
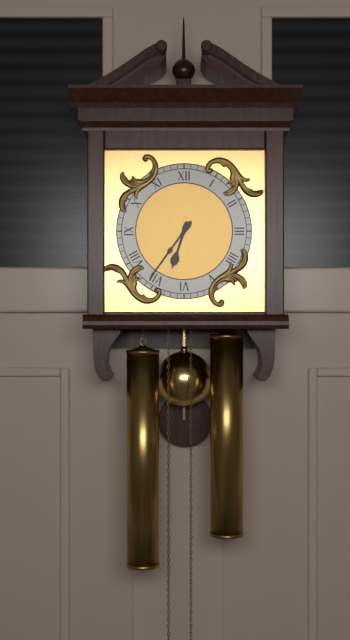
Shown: 6:36
